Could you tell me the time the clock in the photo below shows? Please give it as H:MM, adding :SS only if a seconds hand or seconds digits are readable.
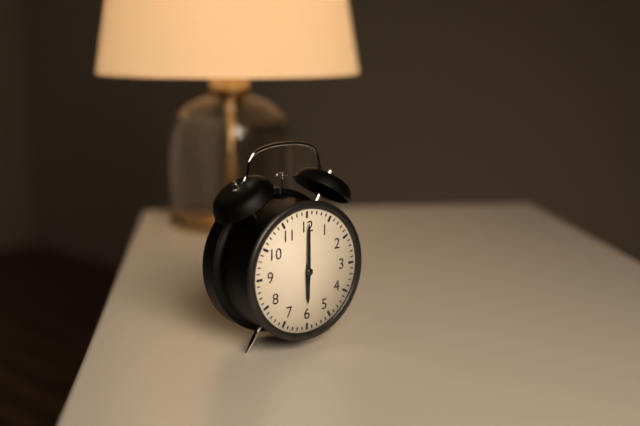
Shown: 6:00
